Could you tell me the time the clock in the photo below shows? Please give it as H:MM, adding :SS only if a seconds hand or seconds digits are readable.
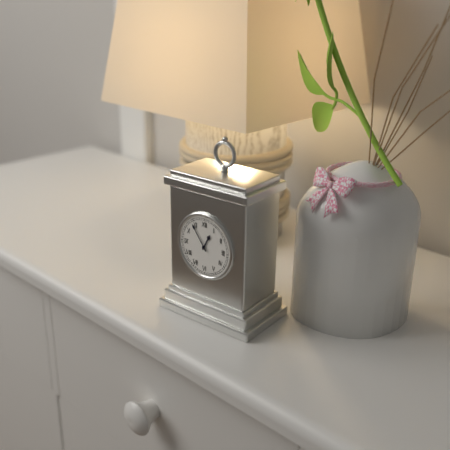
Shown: 12:54
